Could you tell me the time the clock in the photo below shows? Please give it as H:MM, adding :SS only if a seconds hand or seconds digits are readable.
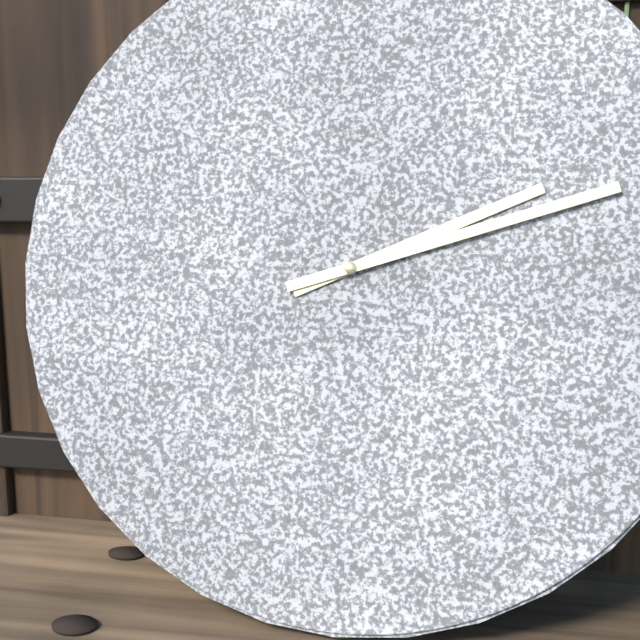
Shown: 2:12
